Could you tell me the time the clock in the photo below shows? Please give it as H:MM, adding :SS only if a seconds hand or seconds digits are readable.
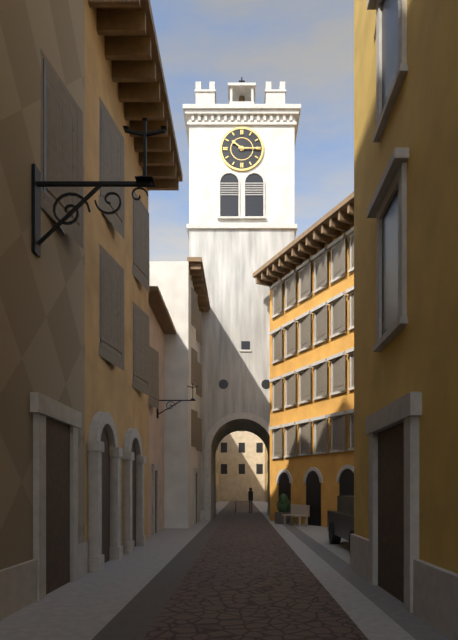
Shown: 10:15
